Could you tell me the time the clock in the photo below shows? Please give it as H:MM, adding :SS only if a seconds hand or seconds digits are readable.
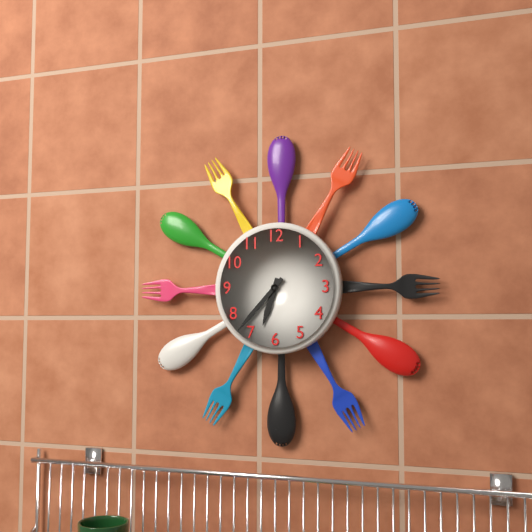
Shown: 6:37
